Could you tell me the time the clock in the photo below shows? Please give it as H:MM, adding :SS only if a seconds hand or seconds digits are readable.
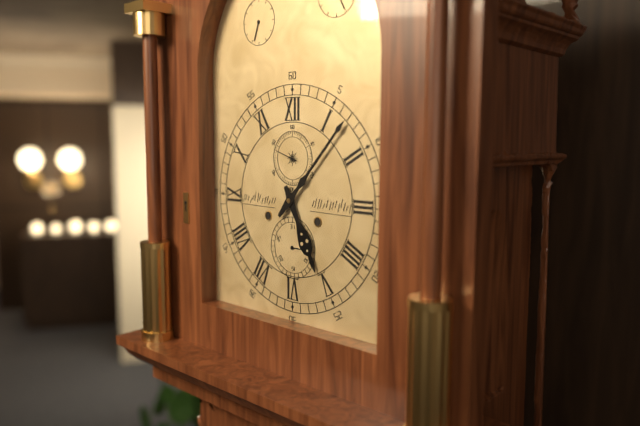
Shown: 5:07
